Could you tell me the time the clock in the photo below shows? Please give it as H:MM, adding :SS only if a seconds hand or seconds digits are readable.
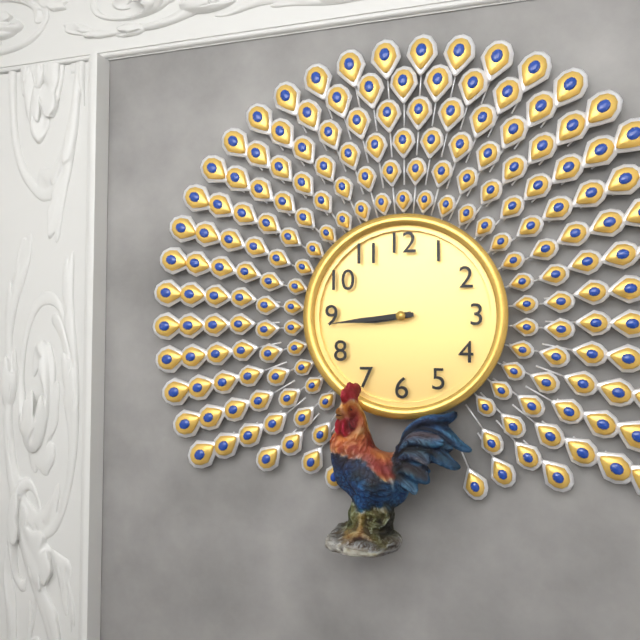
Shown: 8:44
